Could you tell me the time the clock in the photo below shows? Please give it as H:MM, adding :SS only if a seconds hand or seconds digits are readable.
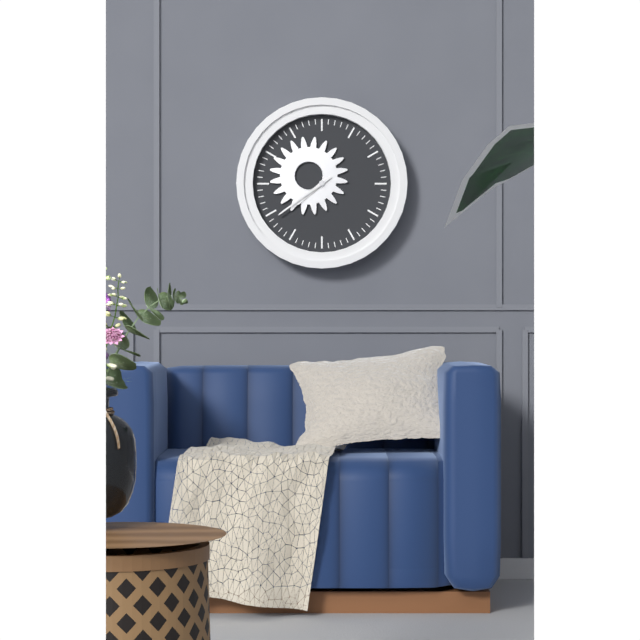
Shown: 7:39
